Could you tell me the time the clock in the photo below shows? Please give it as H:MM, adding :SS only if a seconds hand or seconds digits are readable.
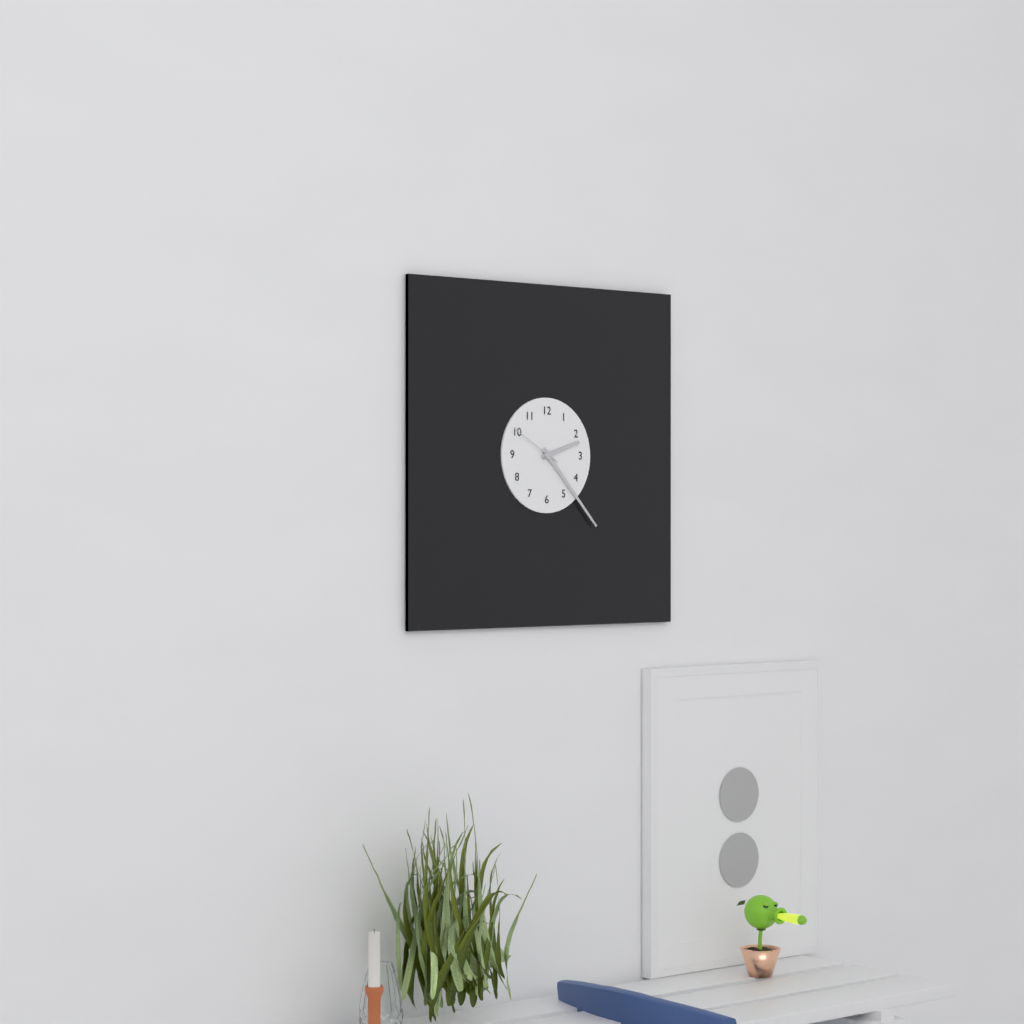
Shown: 2:23:50
